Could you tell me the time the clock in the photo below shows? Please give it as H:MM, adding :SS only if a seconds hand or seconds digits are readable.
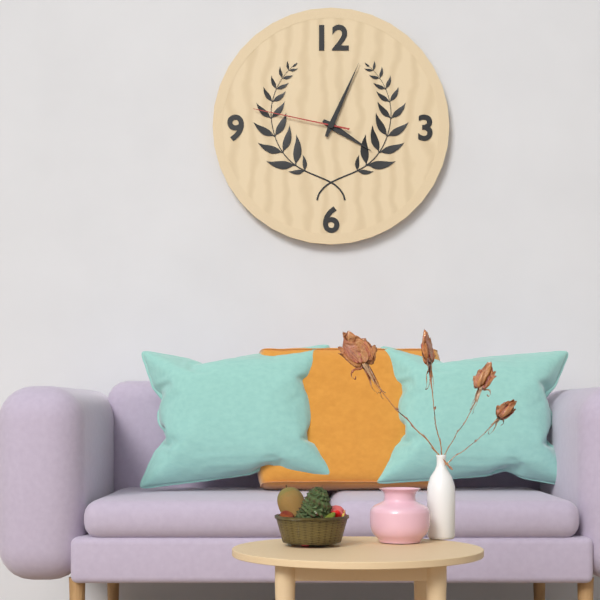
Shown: 4:04:47
